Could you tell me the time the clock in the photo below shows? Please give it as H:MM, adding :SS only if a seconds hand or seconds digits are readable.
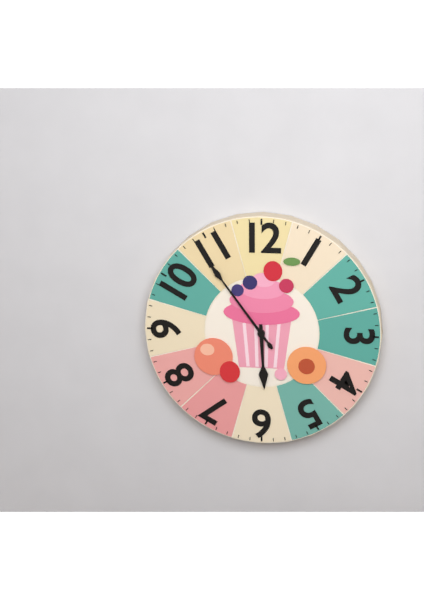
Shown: 5:54
